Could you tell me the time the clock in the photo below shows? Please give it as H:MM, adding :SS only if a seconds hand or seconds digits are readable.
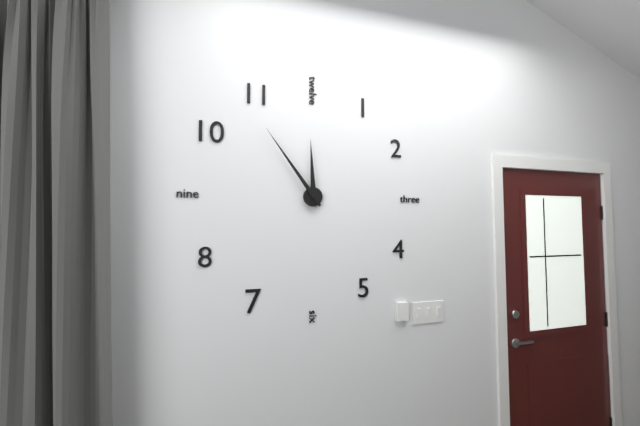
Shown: 11:54
